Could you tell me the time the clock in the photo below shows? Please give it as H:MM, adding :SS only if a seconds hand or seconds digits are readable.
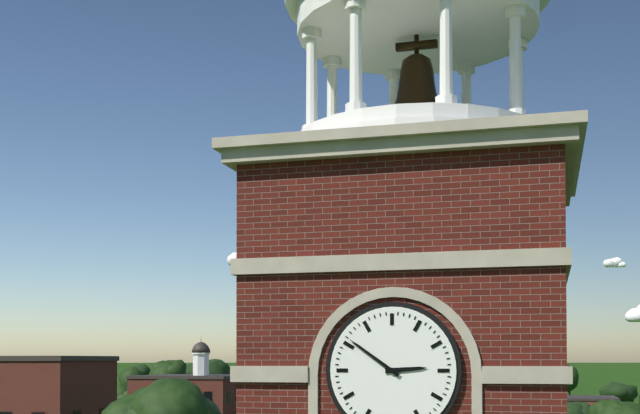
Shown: 2:51
